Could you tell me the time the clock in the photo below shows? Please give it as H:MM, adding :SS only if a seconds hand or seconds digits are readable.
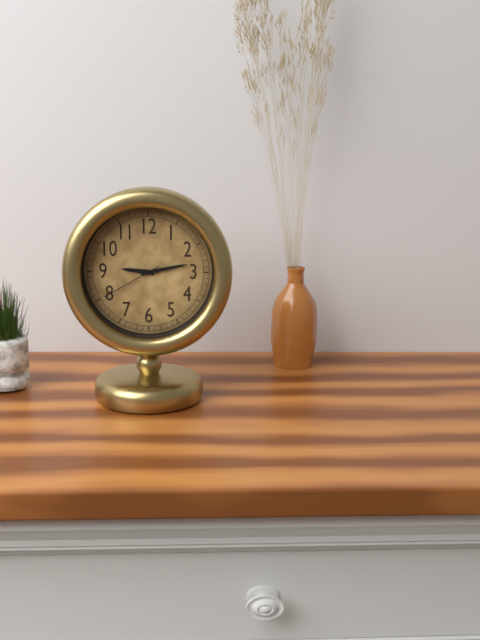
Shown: 9:13:40
